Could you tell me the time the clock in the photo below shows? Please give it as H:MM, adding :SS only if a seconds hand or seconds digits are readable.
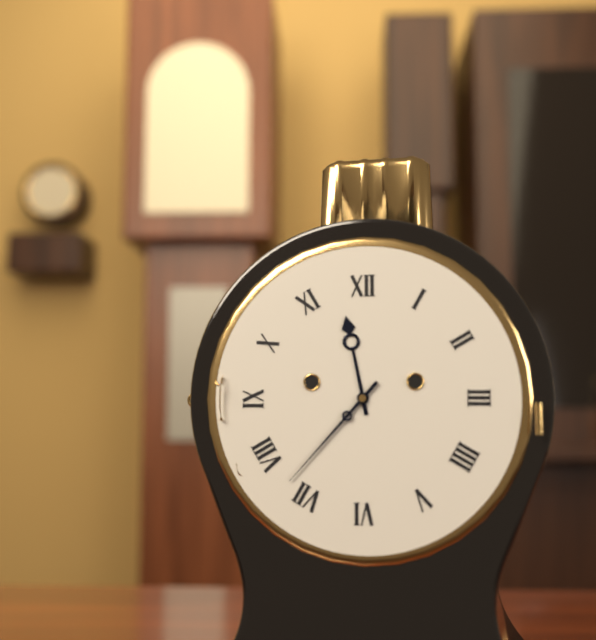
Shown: 11:37
